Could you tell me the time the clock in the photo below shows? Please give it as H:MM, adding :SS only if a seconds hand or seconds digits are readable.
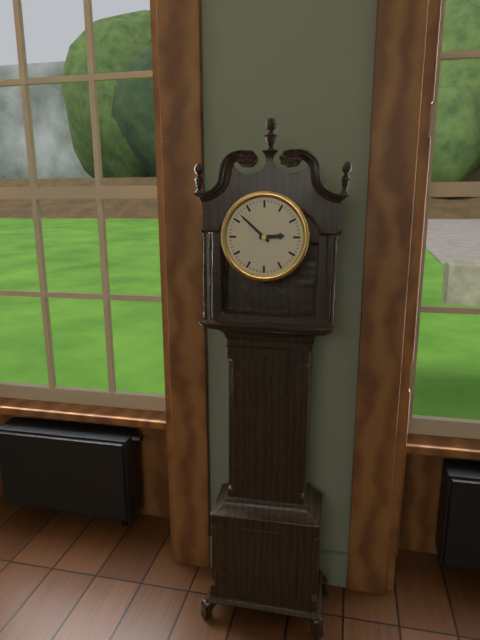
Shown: 2:52
